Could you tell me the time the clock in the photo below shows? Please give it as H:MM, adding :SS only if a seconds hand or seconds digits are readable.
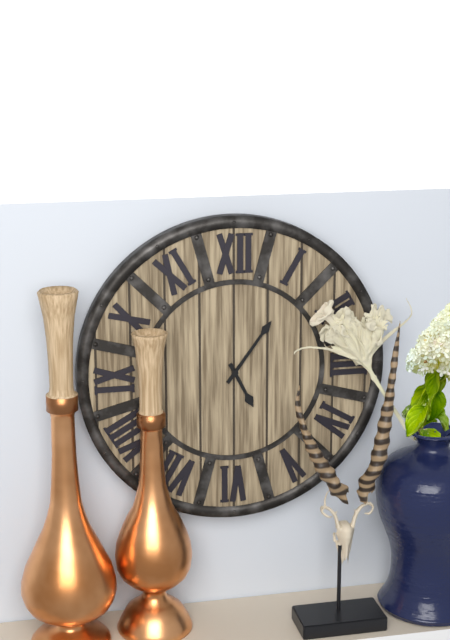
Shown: 5:06
